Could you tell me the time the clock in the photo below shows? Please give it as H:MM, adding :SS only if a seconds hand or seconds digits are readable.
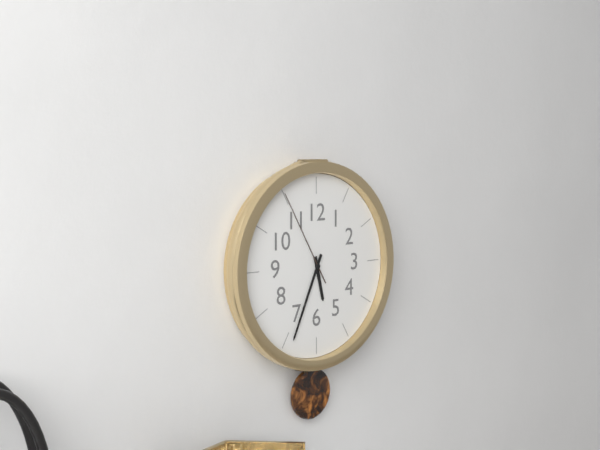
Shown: 5:34:55
